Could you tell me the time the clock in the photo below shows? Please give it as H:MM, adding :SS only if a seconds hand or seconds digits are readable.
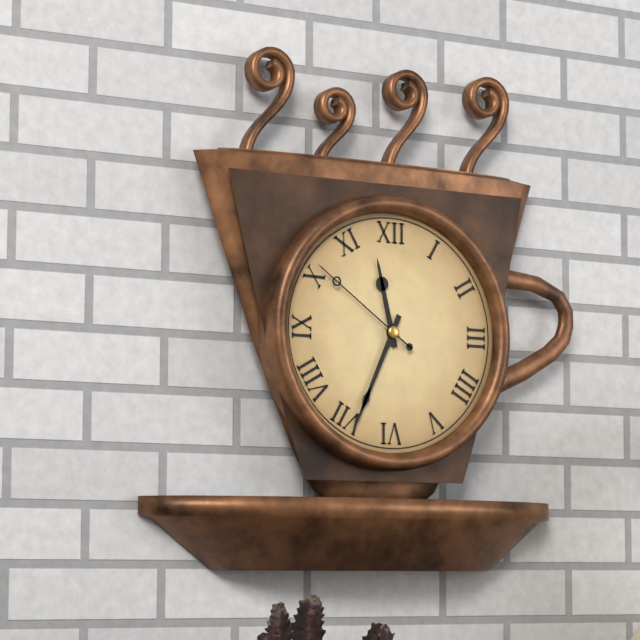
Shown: 11:34:51
